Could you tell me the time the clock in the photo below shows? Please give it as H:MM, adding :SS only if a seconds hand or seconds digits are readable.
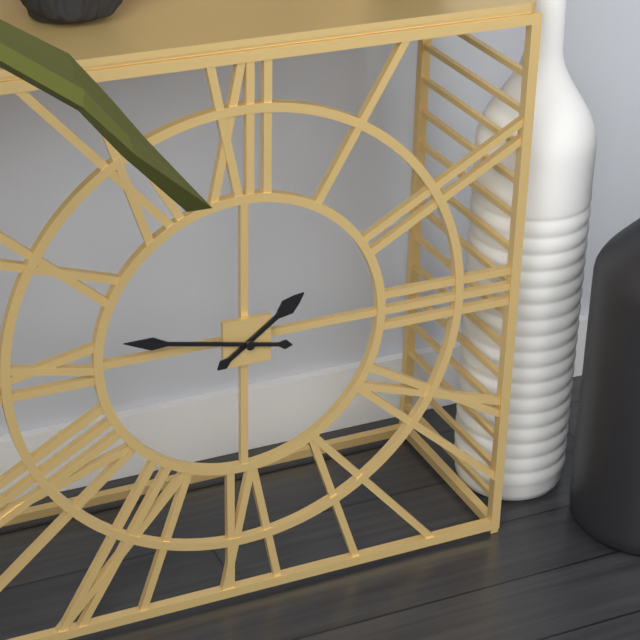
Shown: 1:47
